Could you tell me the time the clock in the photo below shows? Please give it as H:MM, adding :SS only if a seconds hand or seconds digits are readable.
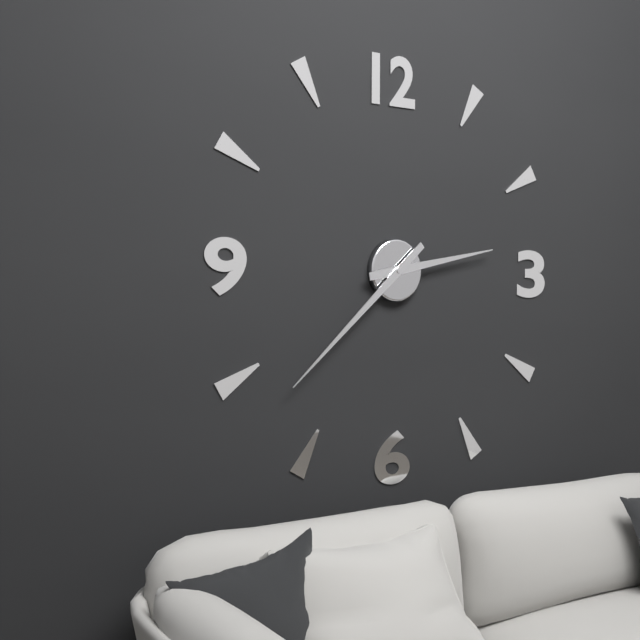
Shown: 2:38
